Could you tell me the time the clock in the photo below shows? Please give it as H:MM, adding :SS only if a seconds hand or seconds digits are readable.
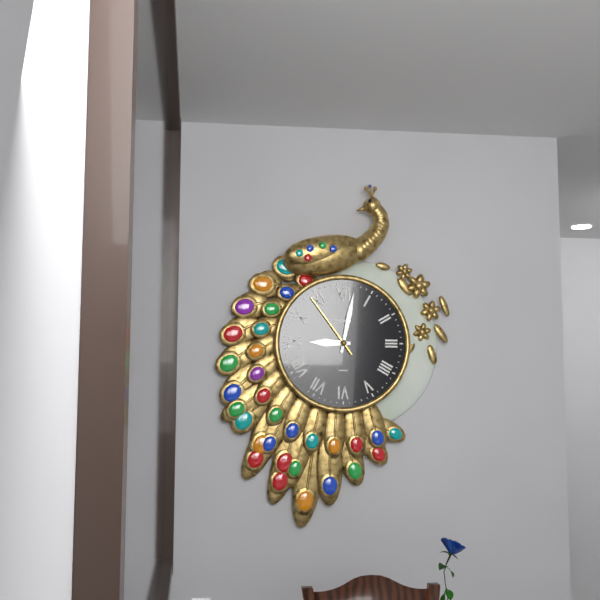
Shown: 9:02:54
